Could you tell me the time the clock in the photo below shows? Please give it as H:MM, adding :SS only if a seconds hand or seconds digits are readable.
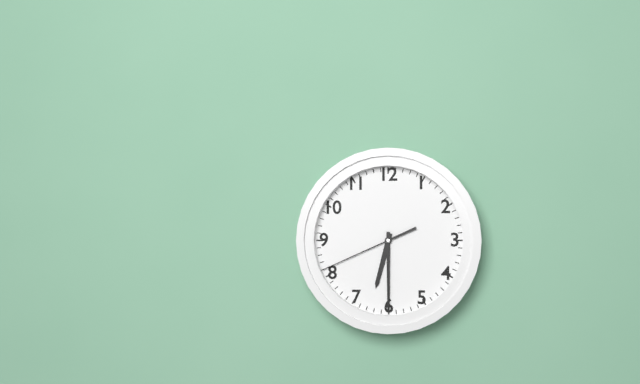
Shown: 6:30:41
